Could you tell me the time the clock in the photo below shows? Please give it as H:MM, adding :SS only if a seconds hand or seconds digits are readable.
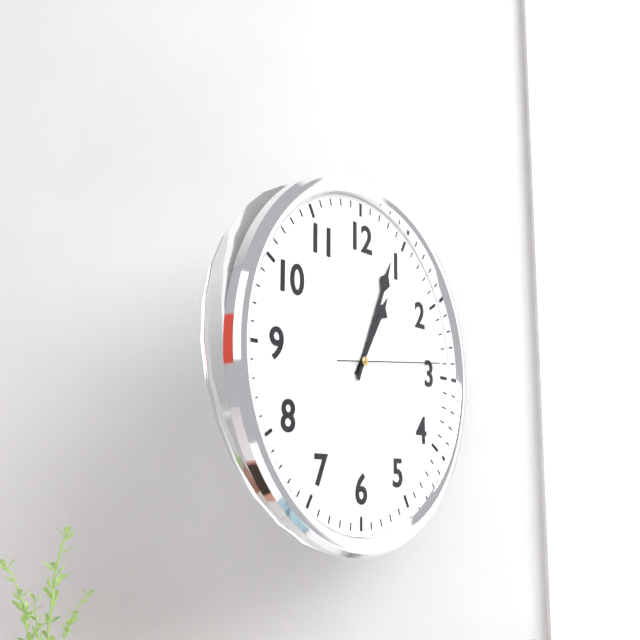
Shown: 1:04:14
